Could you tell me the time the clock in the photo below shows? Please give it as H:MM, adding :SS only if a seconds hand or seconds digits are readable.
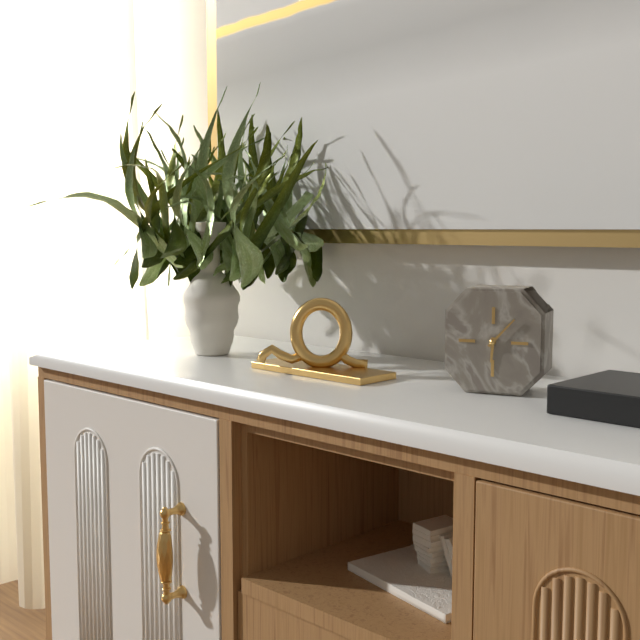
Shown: 6:07
